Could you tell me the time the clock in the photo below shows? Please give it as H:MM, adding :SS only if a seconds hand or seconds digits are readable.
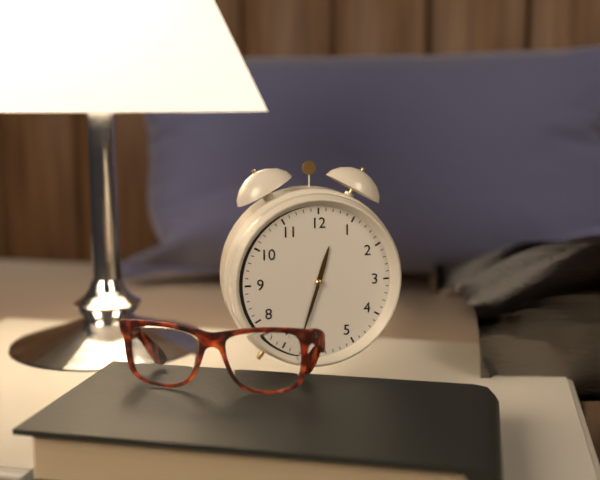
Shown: 12:33
